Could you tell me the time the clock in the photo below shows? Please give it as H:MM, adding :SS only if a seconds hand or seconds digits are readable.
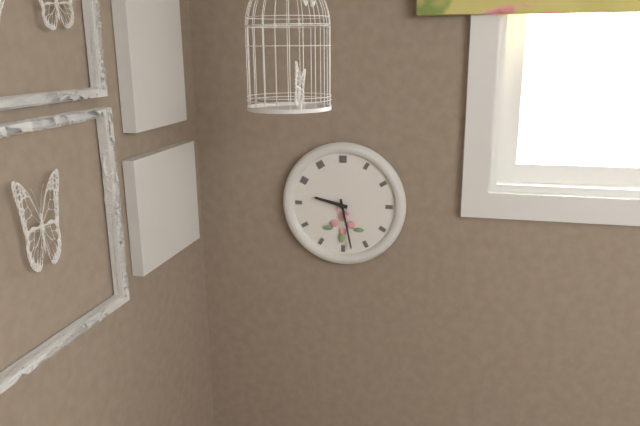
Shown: 9:28
